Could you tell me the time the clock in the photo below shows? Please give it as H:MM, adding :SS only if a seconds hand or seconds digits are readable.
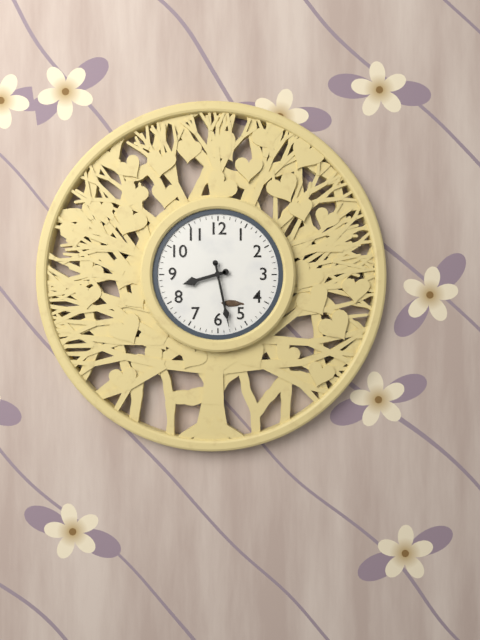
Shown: 8:28
